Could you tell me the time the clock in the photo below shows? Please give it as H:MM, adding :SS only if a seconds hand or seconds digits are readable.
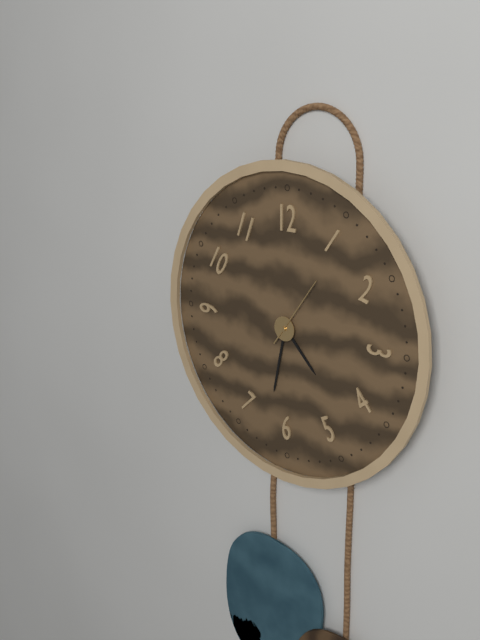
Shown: 4:32:06
